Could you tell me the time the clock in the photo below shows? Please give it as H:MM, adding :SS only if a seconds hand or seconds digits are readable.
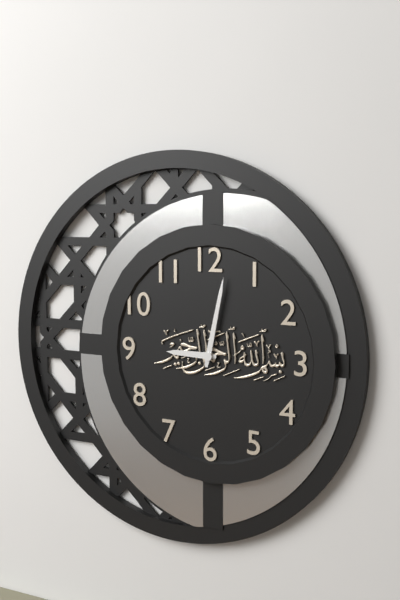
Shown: 9:02
